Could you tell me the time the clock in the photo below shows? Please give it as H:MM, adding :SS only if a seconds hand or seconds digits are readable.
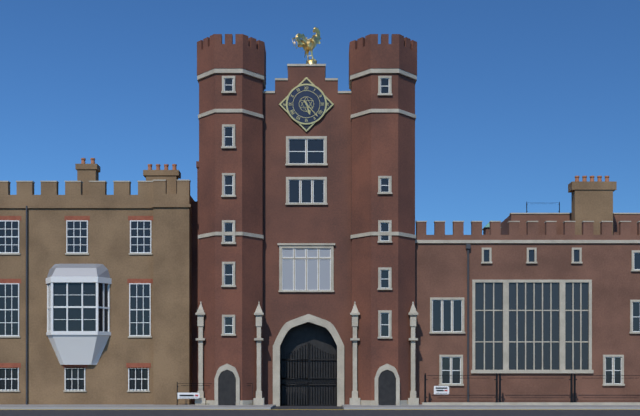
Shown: 5:23
